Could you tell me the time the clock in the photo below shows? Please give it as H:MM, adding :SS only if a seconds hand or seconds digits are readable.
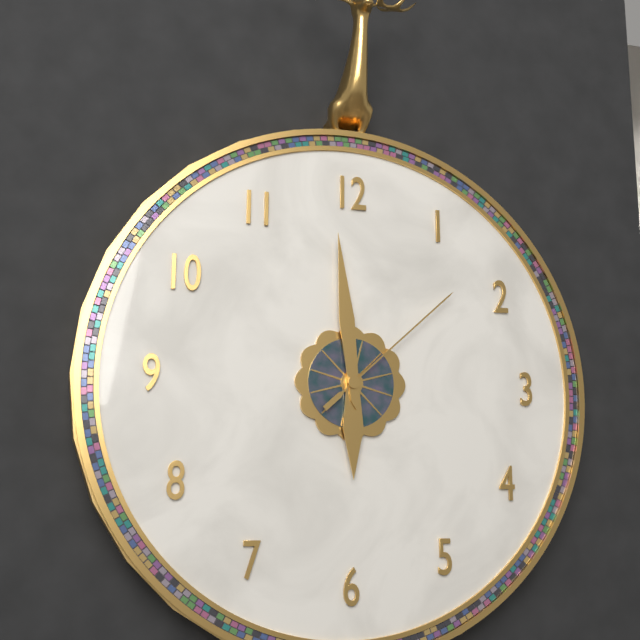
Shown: 5:59:08
